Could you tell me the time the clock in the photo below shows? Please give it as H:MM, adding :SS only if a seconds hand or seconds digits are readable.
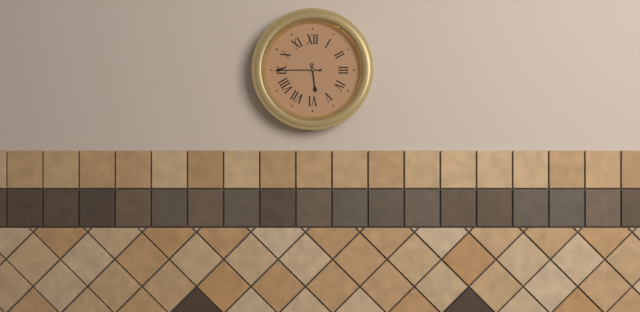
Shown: 5:45
